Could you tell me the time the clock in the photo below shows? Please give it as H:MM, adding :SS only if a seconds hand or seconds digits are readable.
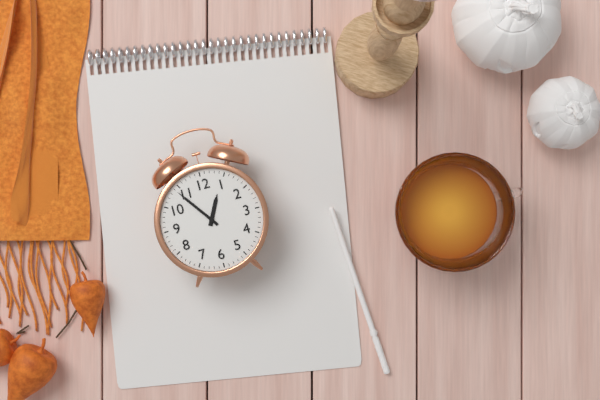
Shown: 12:54
